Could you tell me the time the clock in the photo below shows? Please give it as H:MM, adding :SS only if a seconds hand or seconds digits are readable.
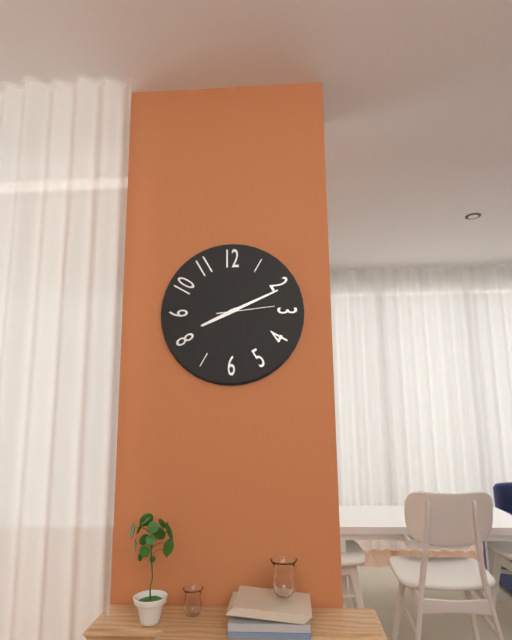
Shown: 8:11:14
